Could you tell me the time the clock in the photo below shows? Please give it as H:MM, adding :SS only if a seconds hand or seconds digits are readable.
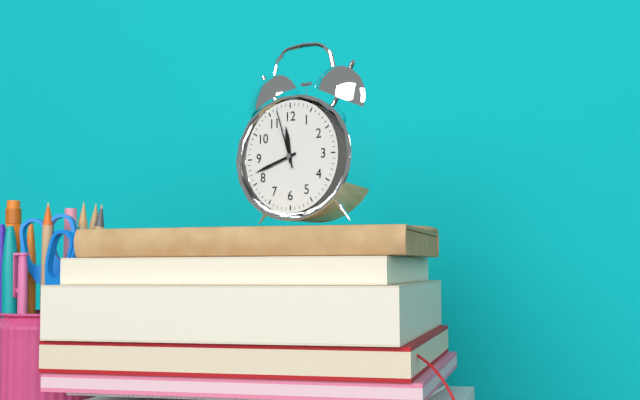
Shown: 11:42:57
